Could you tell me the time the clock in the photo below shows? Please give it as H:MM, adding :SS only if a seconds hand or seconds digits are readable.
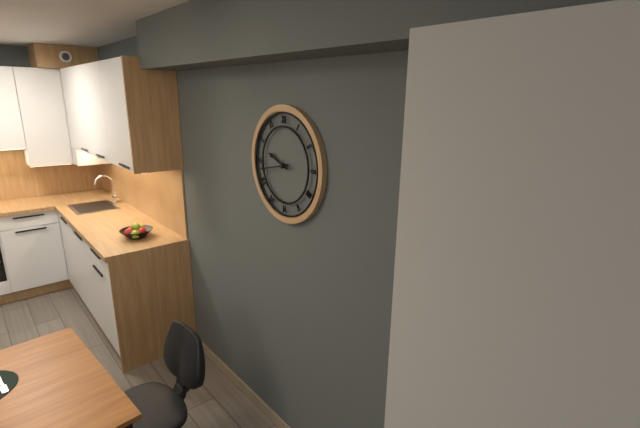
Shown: 9:43
